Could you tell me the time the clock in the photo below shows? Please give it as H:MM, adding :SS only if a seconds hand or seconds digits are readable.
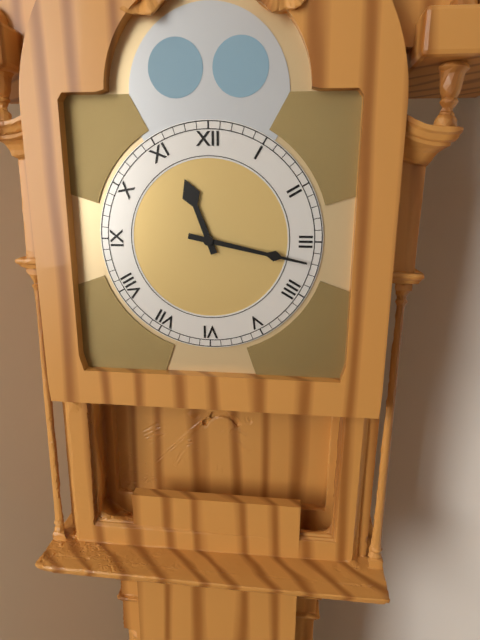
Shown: 11:17
